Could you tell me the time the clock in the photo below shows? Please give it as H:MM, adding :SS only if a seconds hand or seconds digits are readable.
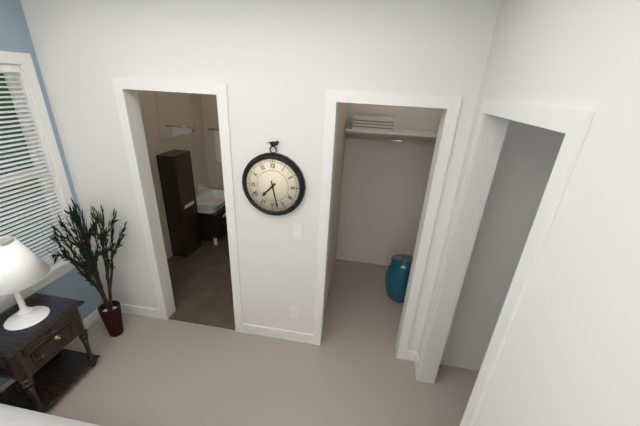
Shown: 7:28
